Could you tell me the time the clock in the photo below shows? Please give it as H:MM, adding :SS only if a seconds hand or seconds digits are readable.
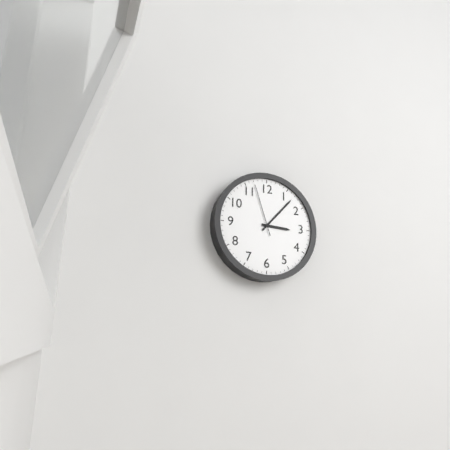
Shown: 3:07:57
